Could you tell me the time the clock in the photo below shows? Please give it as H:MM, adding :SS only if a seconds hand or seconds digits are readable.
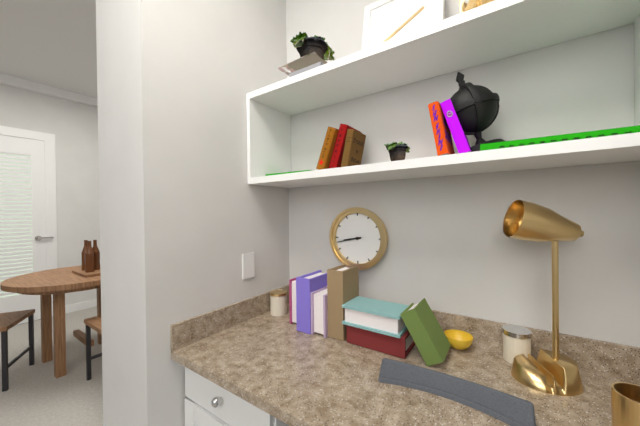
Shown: 8:43
